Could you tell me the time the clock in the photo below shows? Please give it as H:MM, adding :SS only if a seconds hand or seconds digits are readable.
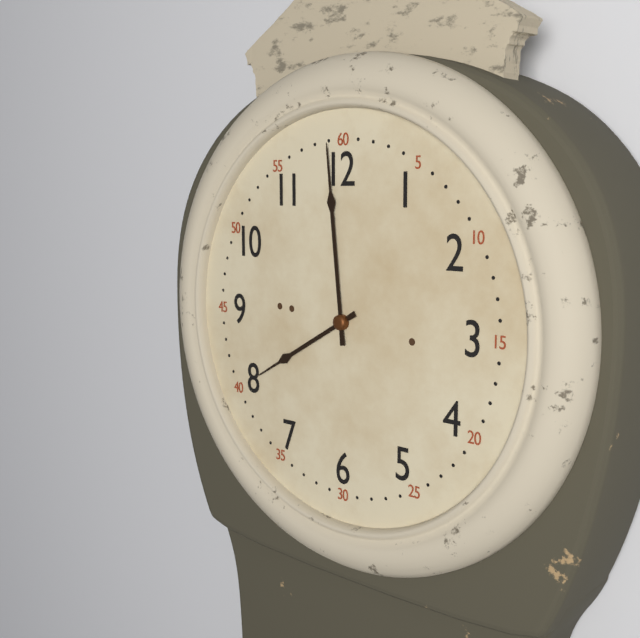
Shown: 7:59
